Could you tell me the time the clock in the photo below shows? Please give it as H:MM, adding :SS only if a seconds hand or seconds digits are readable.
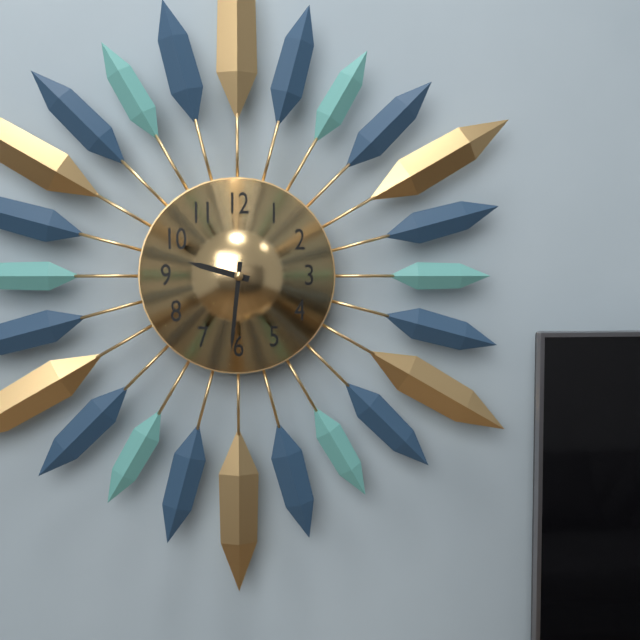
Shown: 9:31
